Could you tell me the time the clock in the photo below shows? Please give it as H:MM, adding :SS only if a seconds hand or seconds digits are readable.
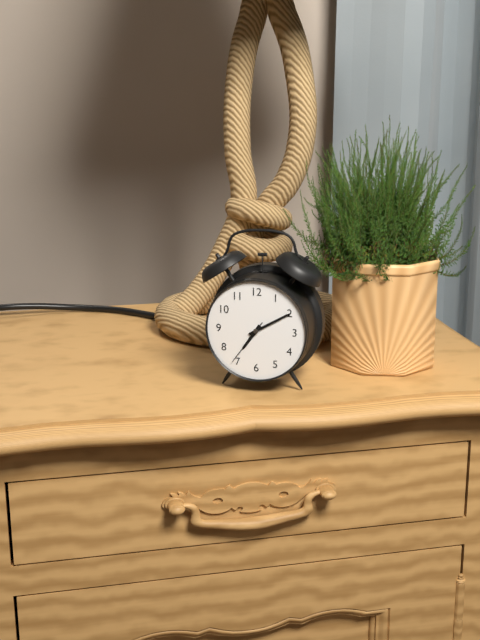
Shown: 7:10:36
